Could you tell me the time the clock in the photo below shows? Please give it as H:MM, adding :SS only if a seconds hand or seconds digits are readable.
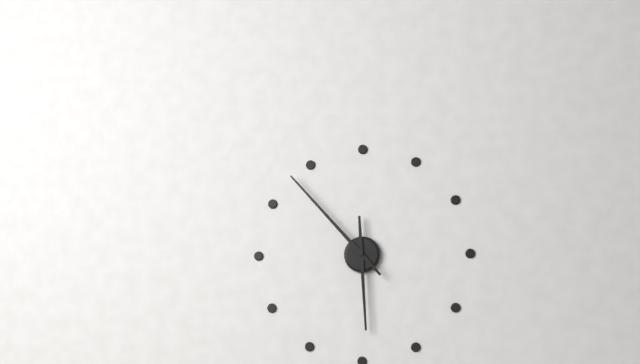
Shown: 5:53
